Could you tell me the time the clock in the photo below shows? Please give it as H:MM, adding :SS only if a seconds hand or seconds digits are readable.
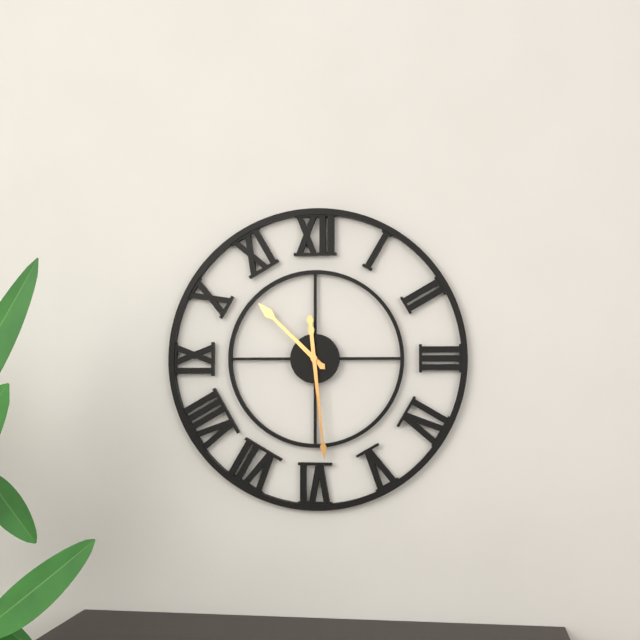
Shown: 10:29
